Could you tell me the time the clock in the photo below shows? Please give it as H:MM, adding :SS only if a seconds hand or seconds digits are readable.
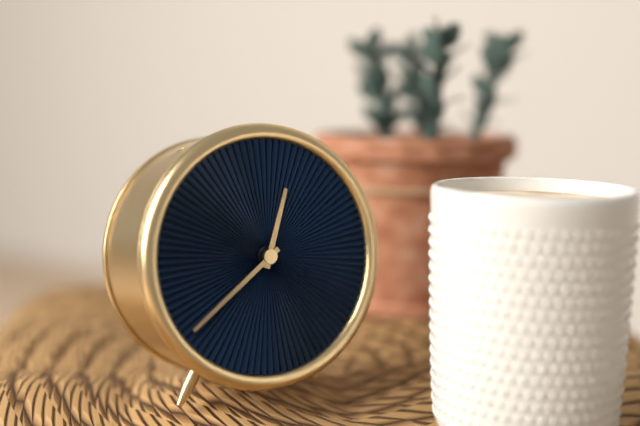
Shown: 12:39
